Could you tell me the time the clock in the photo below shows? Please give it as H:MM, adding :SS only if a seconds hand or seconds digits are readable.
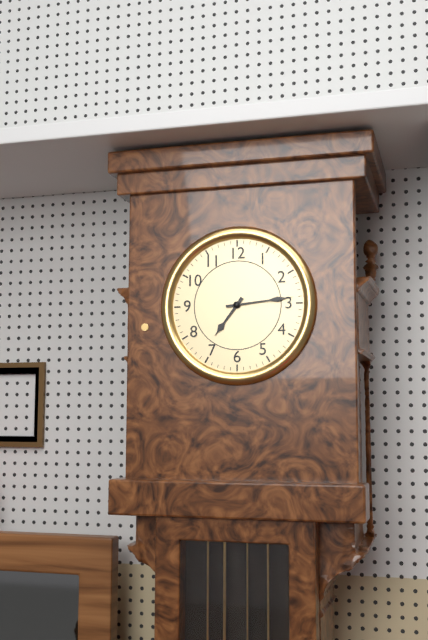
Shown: 7:14
